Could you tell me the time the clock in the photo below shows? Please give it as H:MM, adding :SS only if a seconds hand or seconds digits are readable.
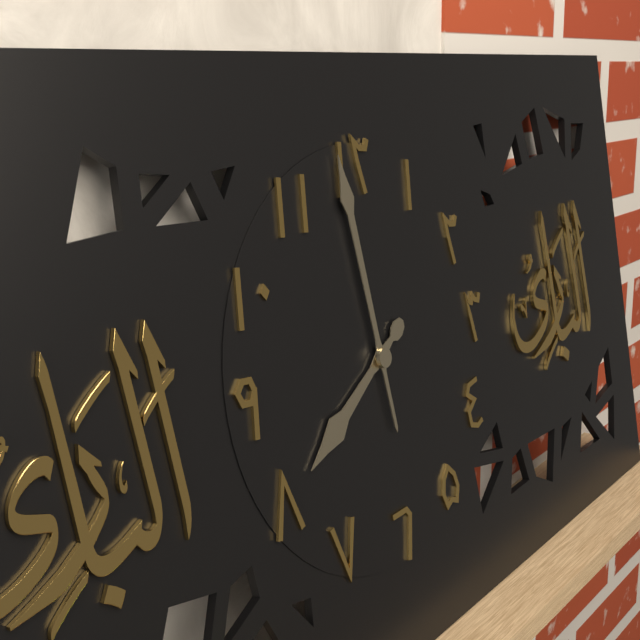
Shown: 7:59
